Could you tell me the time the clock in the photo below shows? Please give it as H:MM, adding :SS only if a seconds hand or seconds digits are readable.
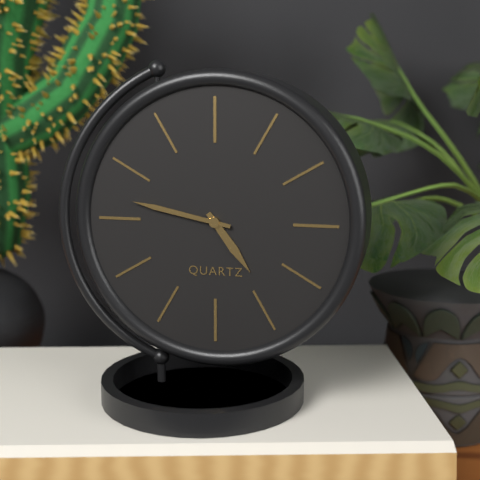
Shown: 4:47
